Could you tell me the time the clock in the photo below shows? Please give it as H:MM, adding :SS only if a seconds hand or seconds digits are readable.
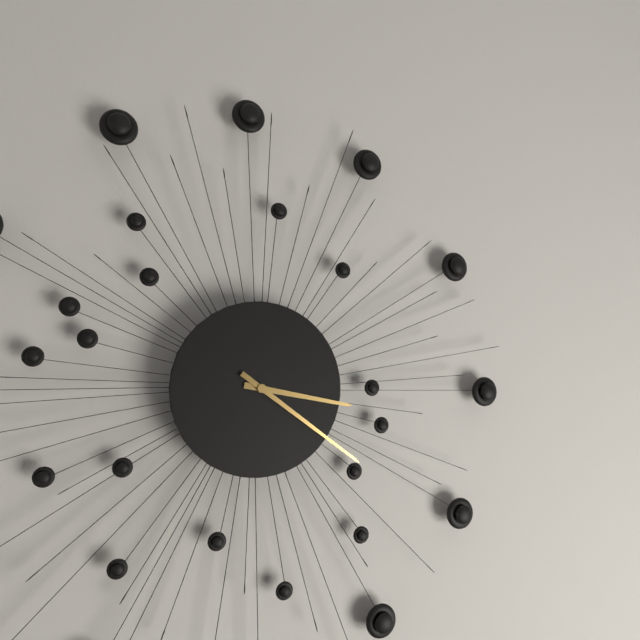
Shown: 3:21
